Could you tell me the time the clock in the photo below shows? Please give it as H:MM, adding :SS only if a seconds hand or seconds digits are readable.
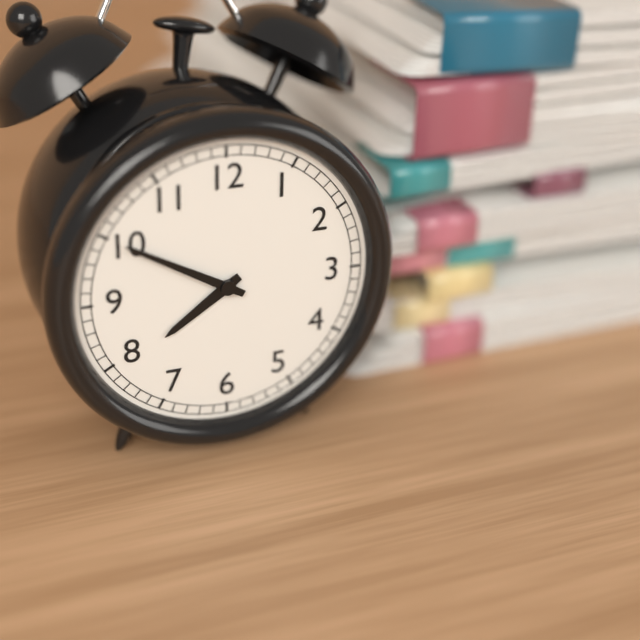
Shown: 7:50
